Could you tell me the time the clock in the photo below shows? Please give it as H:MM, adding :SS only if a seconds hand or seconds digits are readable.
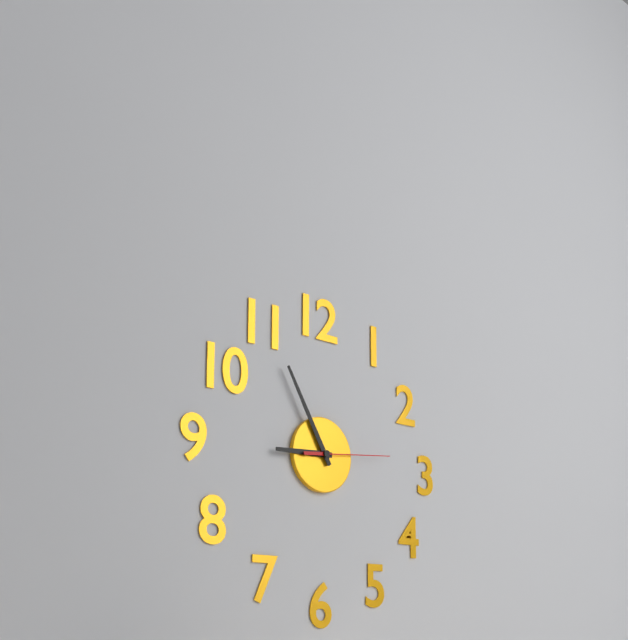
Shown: 8:55:14
